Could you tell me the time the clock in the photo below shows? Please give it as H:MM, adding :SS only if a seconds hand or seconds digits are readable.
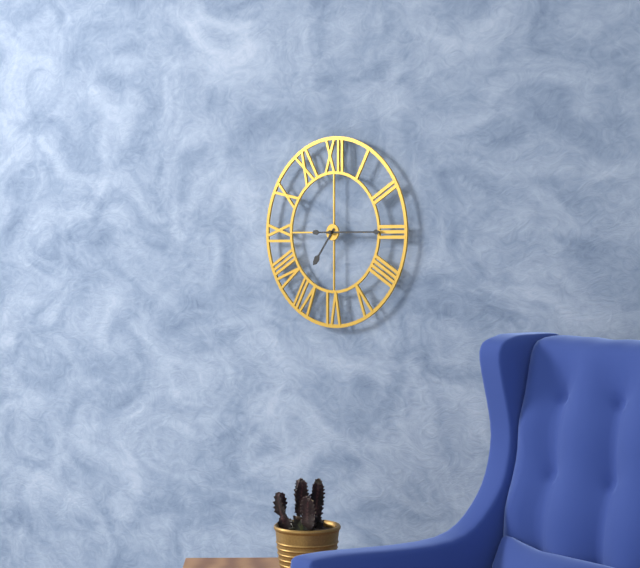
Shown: 7:15
